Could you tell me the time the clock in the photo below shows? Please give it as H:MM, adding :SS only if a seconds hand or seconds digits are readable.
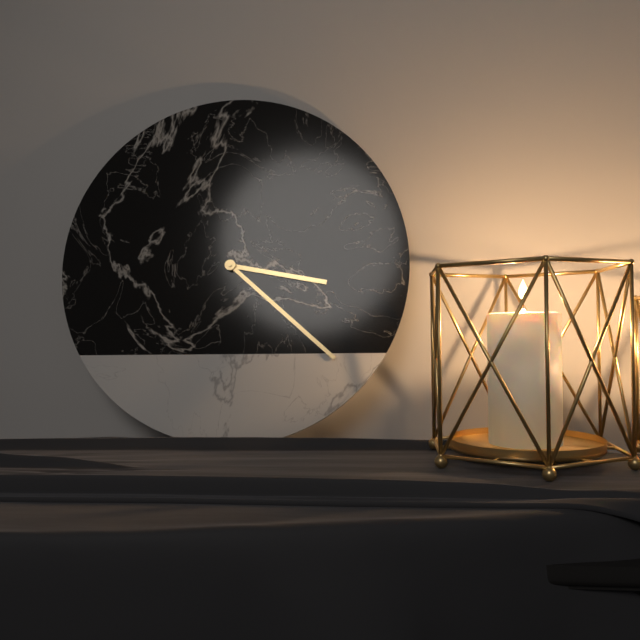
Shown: 3:22
